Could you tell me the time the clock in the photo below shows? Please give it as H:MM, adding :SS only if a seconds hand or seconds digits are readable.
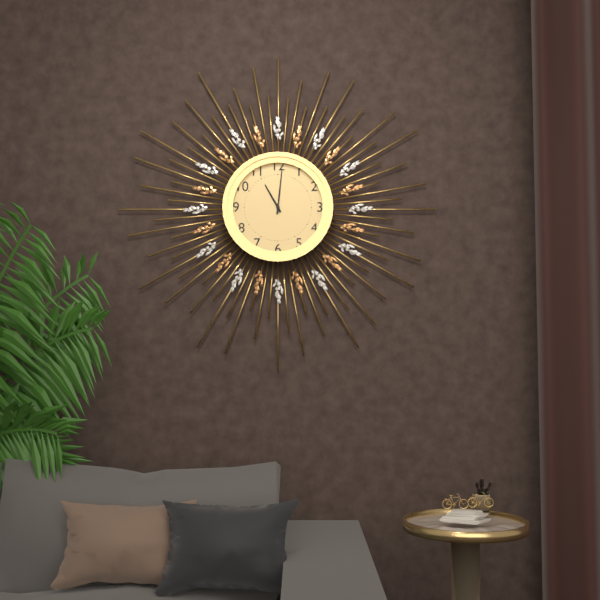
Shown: 11:01
